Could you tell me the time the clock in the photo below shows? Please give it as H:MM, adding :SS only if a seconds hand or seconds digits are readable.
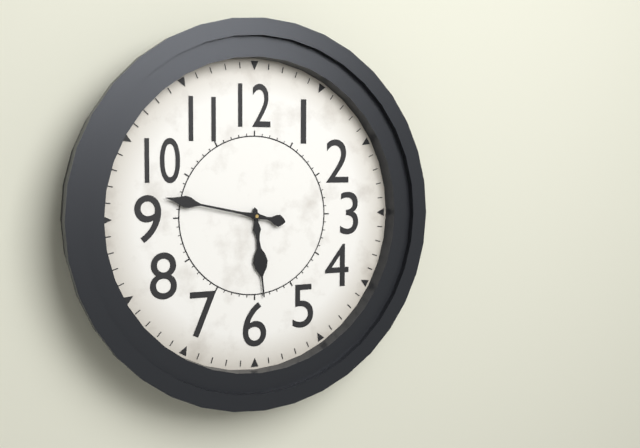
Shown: 5:47
